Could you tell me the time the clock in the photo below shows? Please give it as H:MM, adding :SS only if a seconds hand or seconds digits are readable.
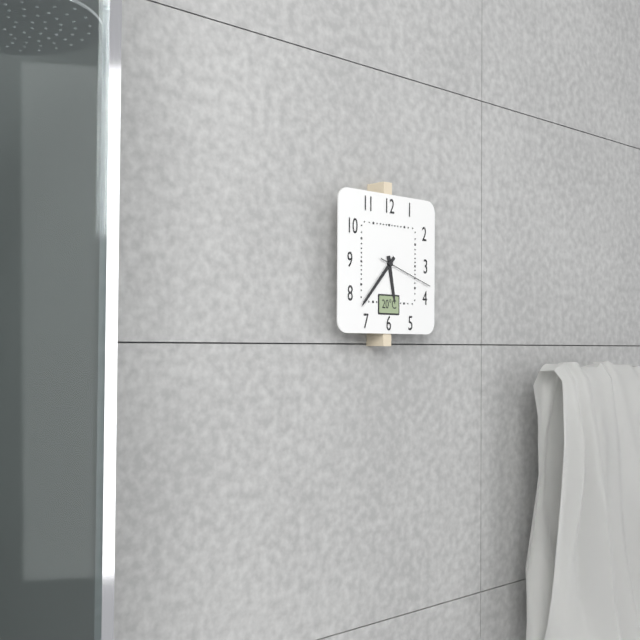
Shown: 5:37:18
